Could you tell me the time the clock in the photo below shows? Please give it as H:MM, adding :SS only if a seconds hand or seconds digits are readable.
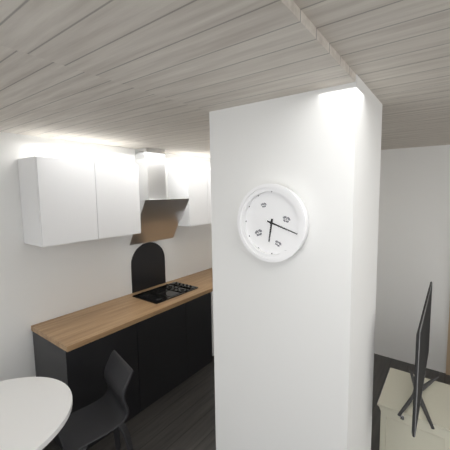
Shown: 6:18
